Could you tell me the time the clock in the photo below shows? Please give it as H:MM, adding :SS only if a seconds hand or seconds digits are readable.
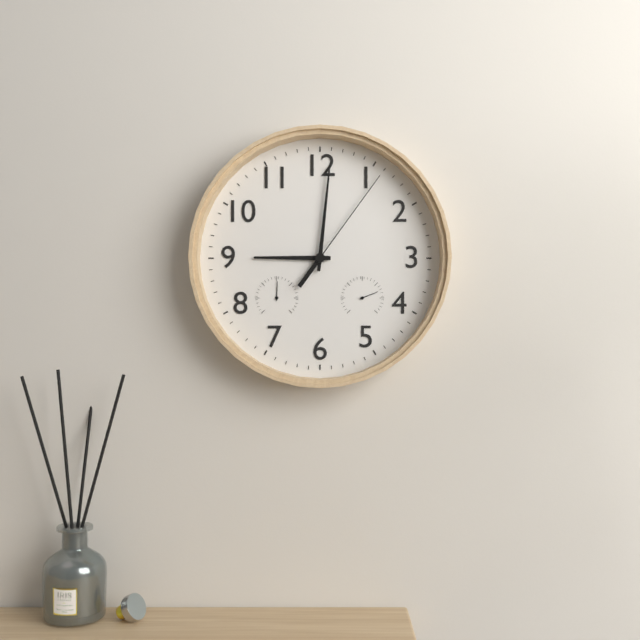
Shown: 9:01:06
